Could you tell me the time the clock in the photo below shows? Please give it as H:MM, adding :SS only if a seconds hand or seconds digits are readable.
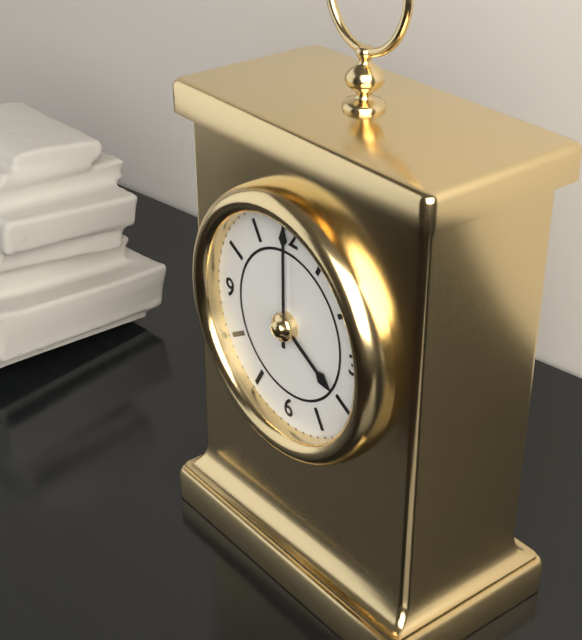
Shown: 4:00
